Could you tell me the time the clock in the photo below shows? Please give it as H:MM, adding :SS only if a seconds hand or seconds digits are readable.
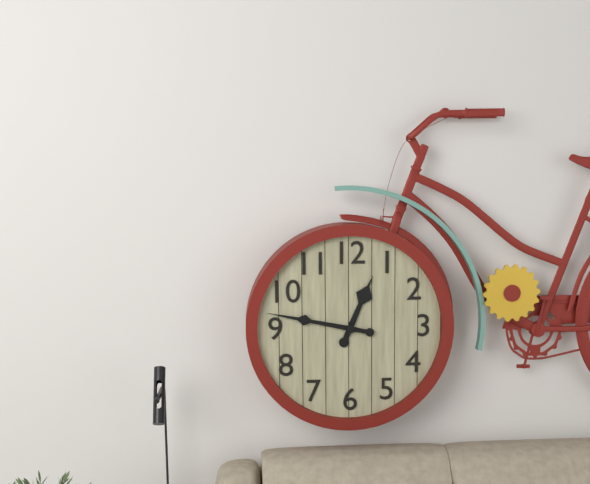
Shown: 12:47
